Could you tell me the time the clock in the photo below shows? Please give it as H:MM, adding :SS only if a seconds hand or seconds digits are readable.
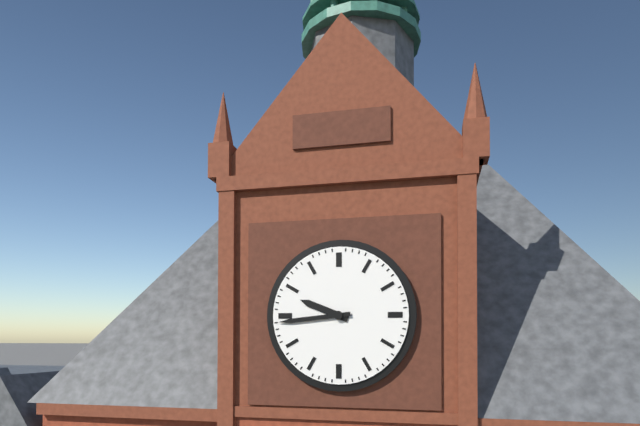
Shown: 9:44
